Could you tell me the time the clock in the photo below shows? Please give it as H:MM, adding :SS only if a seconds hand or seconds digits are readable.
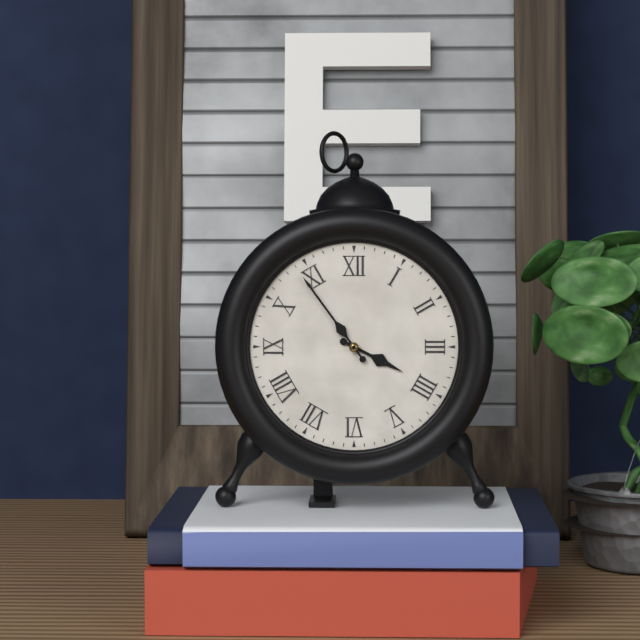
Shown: 3:54
